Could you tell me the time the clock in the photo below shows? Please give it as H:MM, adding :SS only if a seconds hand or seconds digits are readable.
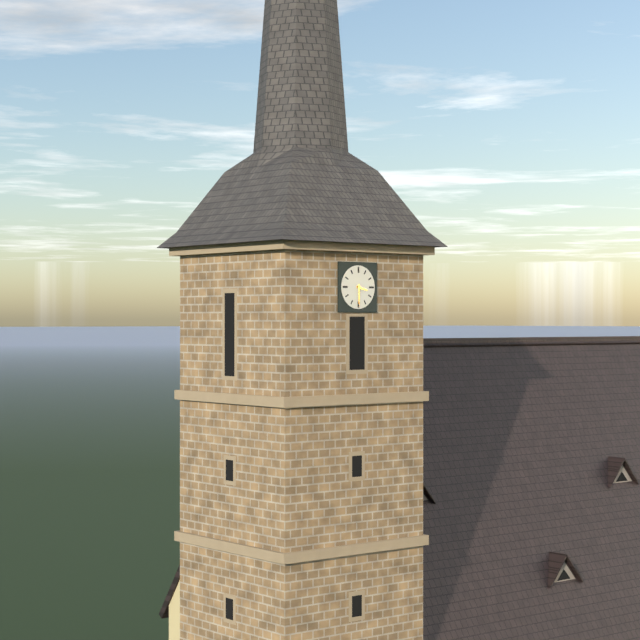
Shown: 3:30
